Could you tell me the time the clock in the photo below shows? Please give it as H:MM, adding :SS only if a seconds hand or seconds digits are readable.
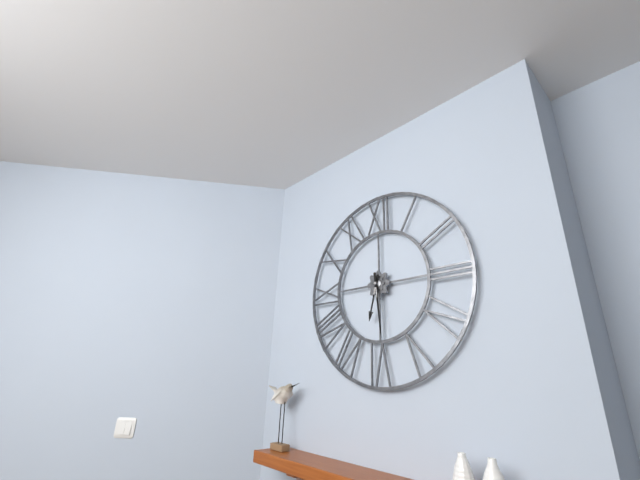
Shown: 6:29
